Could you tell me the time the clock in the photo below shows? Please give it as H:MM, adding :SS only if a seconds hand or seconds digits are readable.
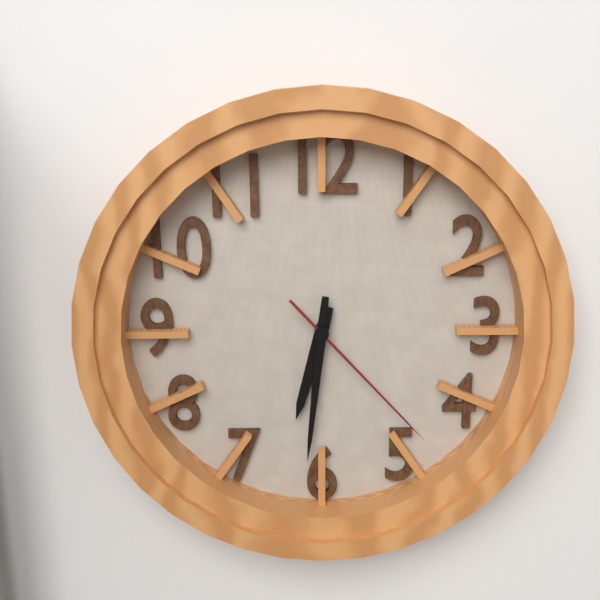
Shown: 6:31:23
